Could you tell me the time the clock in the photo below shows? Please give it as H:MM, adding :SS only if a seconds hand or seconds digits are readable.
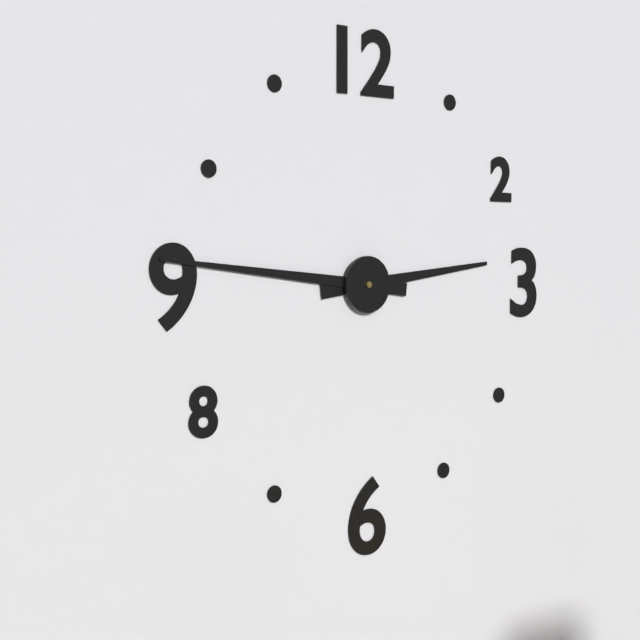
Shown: 2:46
